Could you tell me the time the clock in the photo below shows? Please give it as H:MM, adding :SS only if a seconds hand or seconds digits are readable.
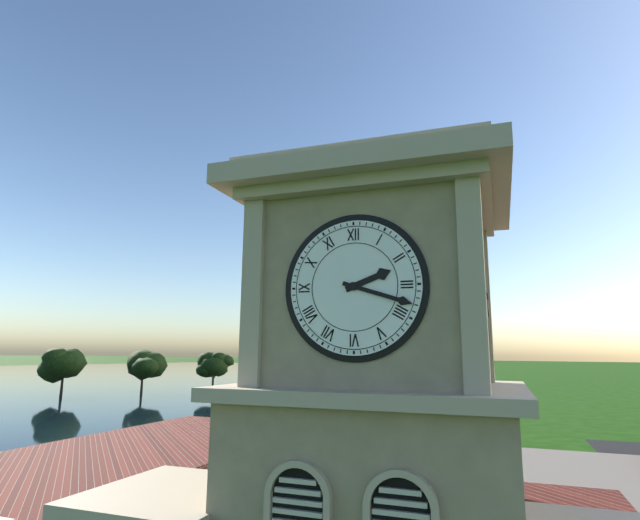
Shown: 2:18
